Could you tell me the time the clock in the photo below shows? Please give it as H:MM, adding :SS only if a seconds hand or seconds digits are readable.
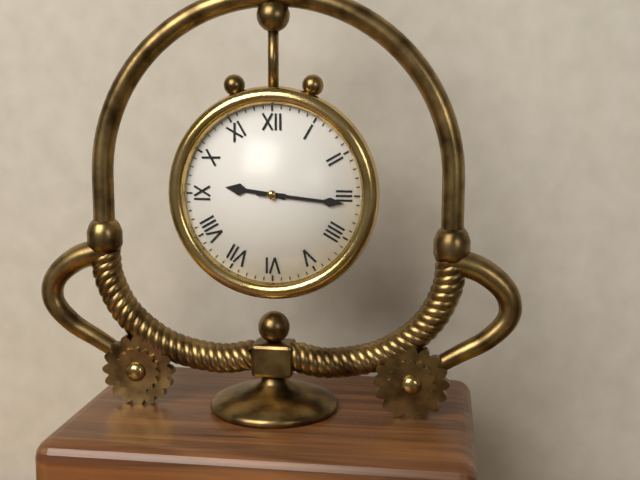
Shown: 9:16
